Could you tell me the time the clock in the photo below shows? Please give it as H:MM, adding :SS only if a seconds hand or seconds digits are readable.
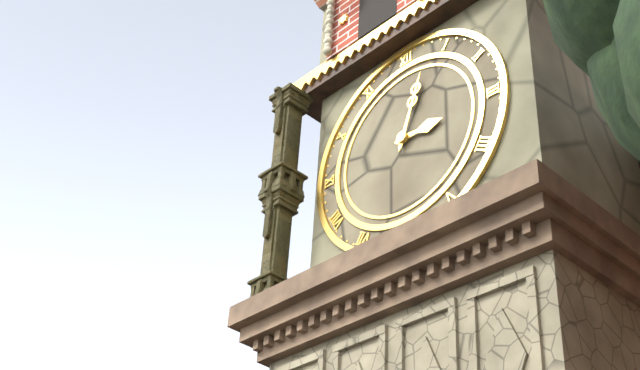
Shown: 3:03
